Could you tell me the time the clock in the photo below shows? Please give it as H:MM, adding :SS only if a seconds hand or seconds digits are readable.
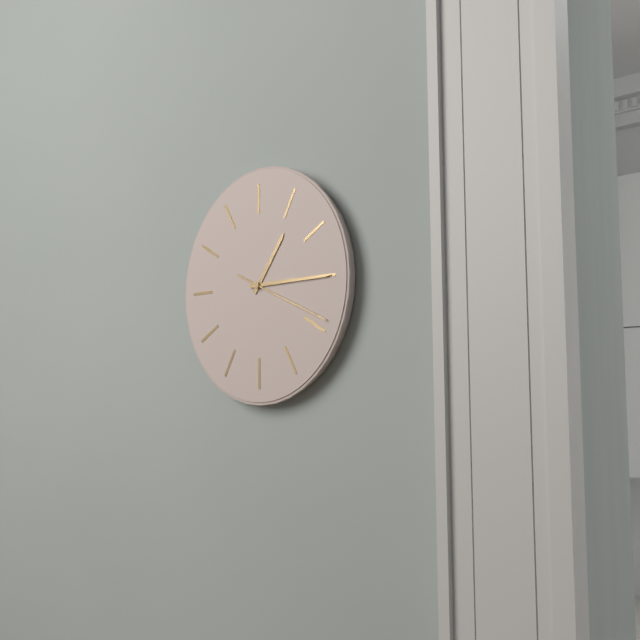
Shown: 1:15:19
